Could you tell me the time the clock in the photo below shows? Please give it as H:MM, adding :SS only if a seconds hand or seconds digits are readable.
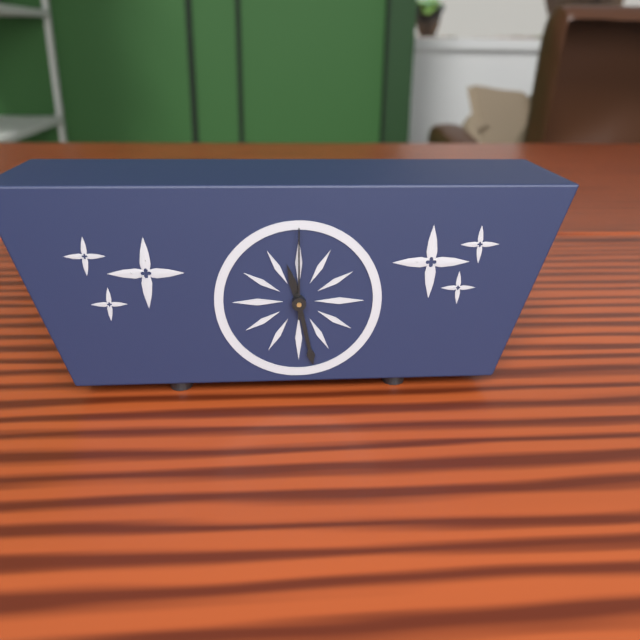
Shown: 11:28:00
